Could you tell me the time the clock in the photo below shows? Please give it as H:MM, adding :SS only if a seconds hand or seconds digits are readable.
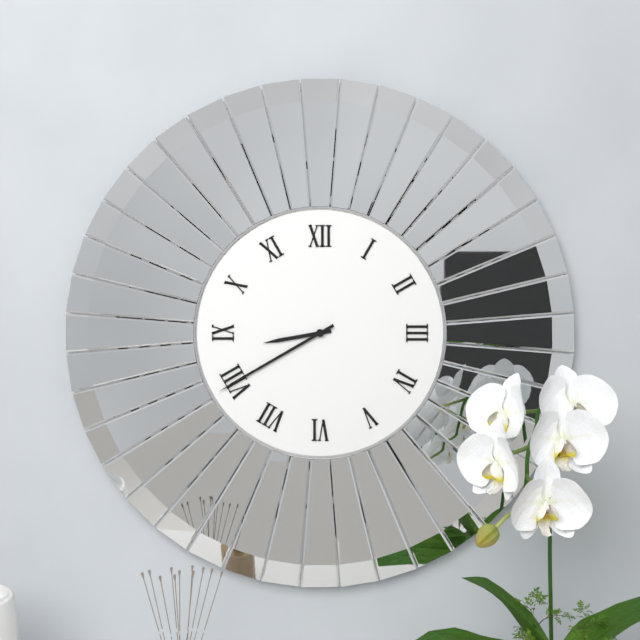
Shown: 8:40
